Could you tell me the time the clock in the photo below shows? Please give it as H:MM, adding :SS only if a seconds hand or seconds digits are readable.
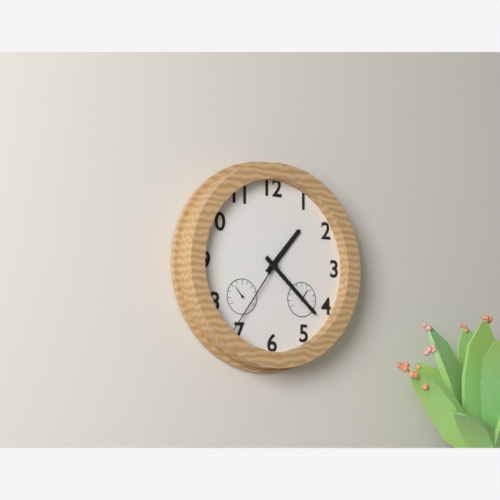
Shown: 1:22:36
